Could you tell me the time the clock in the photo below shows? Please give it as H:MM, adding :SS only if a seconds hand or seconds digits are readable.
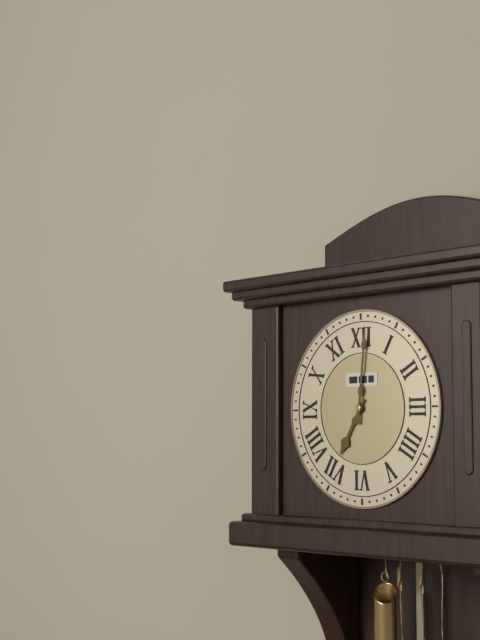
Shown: 7:01
